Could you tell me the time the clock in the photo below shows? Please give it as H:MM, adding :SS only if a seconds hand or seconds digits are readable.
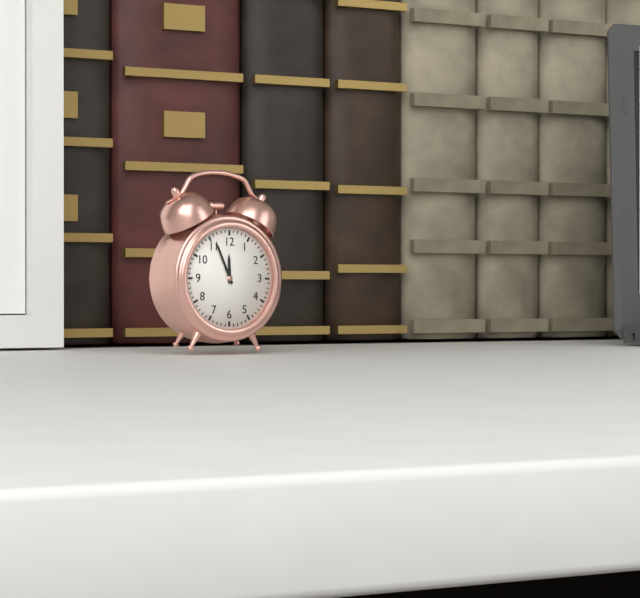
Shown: 11:56
